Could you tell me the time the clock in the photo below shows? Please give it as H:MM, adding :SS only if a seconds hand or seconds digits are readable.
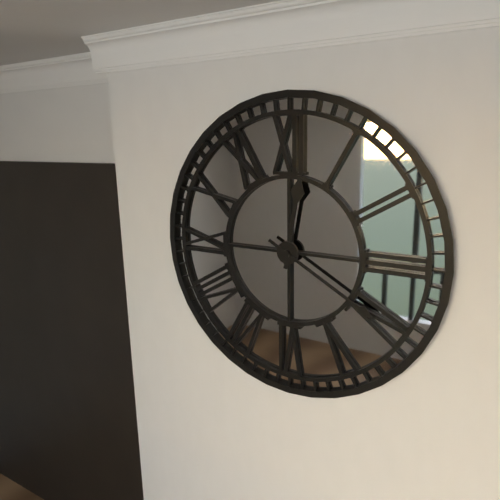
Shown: 12:20
